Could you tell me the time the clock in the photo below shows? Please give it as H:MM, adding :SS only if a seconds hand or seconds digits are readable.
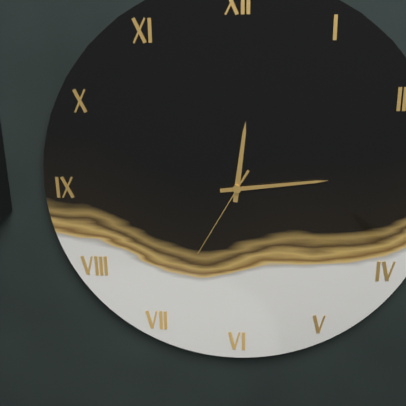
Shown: 12:14:35
